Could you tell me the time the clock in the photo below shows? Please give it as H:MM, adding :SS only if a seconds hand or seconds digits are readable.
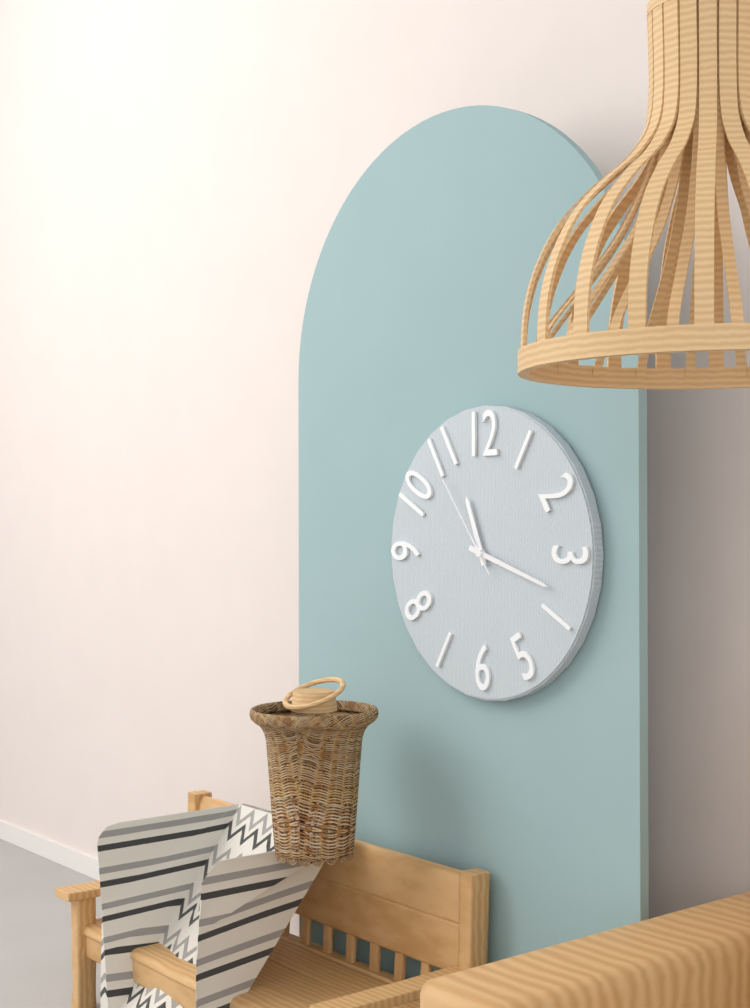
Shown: 11:18:54
